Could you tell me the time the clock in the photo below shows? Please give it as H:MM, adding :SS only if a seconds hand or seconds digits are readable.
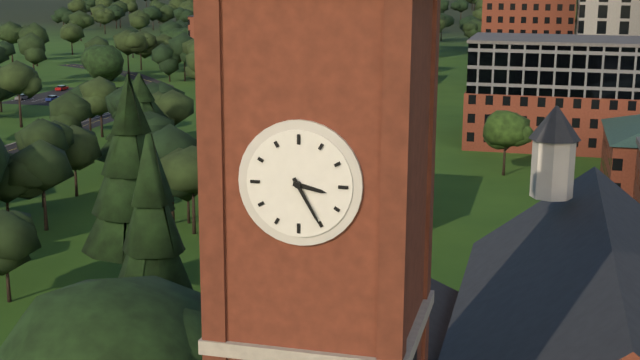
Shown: 3:25
